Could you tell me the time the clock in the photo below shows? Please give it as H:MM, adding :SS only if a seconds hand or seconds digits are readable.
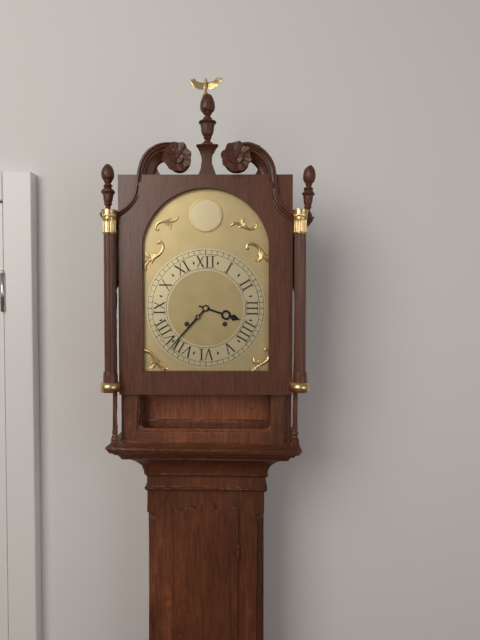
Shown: 3:37
